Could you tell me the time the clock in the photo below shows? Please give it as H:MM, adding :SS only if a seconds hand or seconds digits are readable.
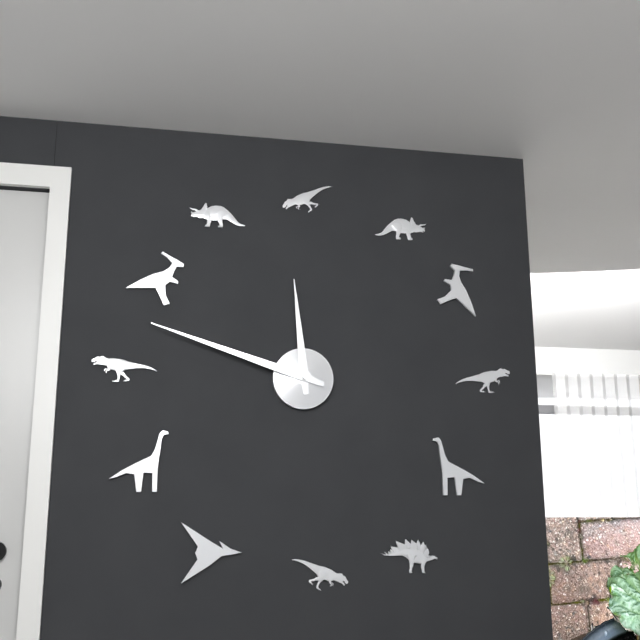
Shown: 11:48
